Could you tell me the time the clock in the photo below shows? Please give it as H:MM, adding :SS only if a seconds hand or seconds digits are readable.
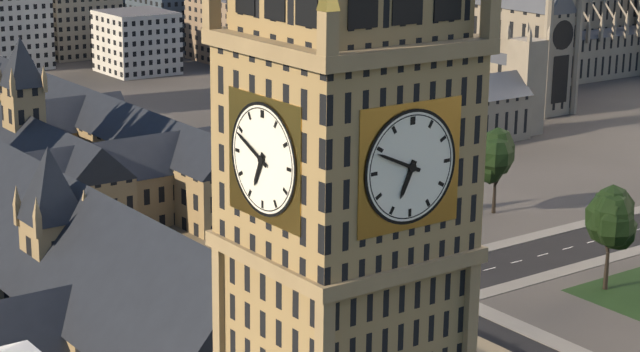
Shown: 6:49
